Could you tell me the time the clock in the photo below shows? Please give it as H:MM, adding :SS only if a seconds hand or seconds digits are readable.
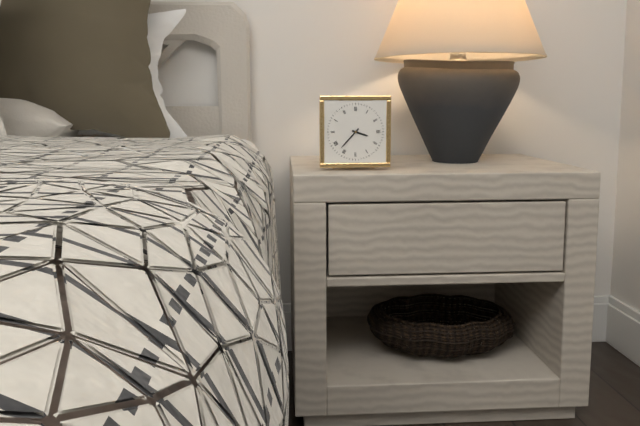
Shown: 3:37
